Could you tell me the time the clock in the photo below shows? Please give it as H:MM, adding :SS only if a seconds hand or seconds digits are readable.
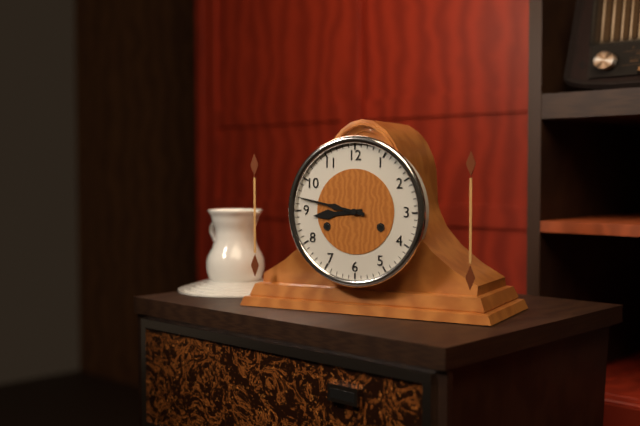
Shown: 8:47
